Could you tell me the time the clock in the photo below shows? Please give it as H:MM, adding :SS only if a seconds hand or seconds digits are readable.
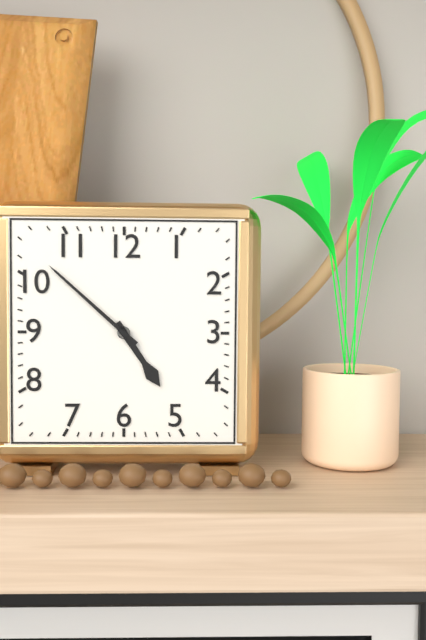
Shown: 4:52
